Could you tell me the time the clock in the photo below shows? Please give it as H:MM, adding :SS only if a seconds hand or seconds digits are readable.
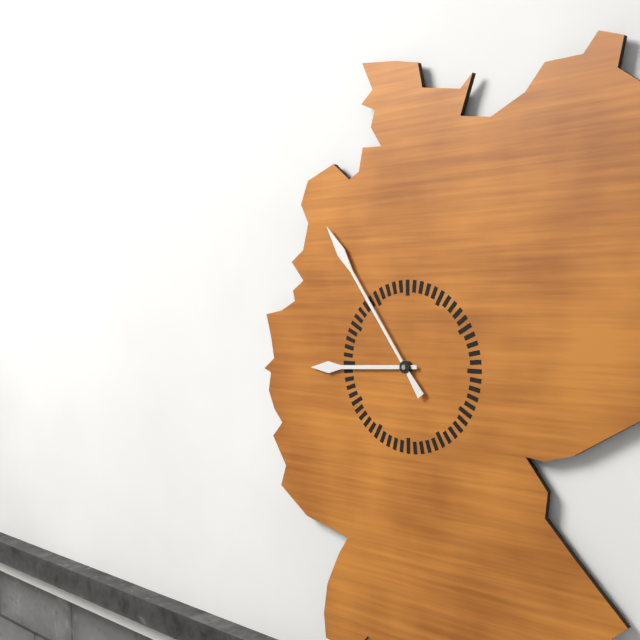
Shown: 8:54
